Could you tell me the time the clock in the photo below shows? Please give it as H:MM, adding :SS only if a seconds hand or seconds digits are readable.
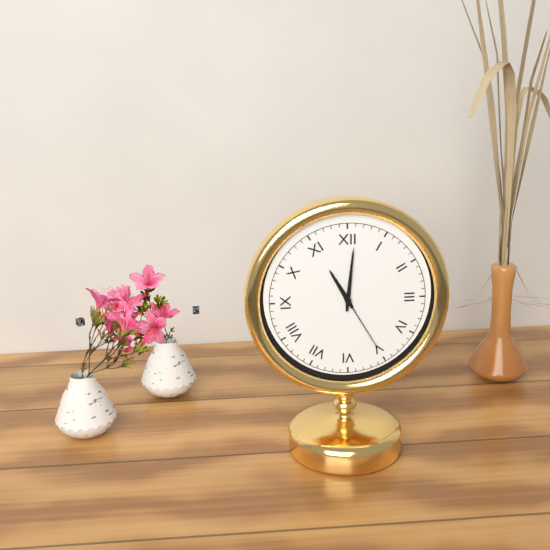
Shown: 11:01:25
